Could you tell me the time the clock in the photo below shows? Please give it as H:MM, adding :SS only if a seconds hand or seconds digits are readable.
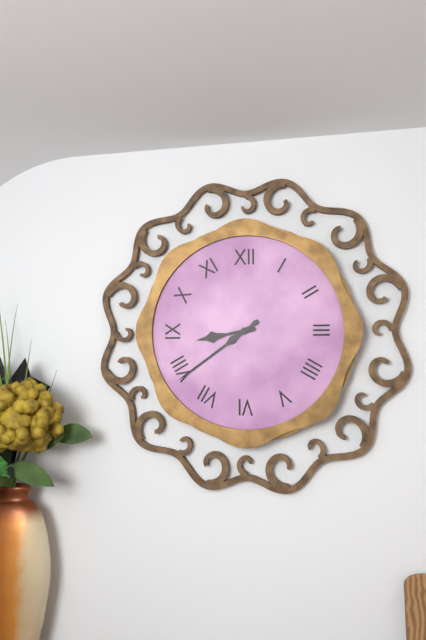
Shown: 8:39
